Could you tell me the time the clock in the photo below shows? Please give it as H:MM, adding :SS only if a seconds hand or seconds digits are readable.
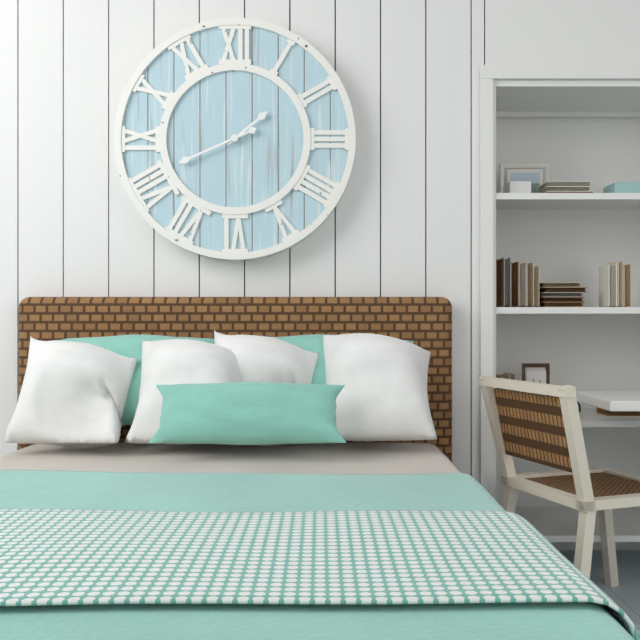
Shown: 1:41
